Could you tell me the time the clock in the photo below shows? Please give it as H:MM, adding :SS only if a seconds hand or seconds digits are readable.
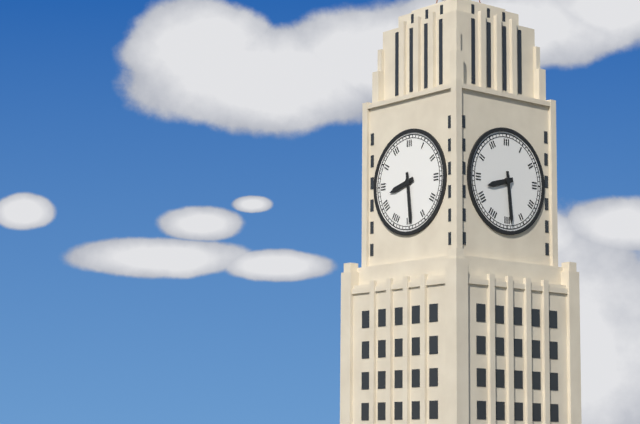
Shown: 8:29
